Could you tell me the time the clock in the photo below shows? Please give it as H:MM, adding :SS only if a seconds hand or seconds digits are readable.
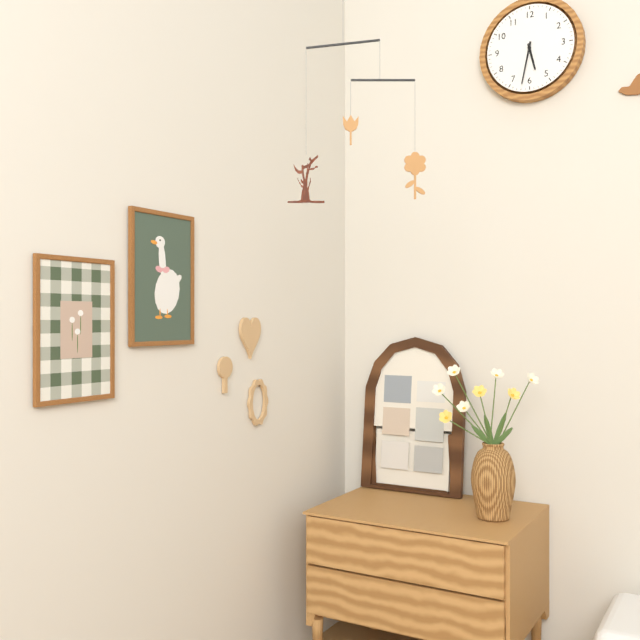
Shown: 5:32
